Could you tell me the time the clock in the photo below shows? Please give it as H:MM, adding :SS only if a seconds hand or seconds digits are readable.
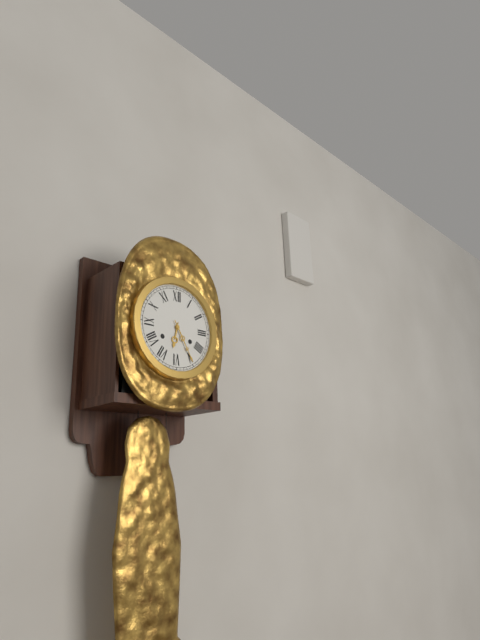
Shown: 6:25
